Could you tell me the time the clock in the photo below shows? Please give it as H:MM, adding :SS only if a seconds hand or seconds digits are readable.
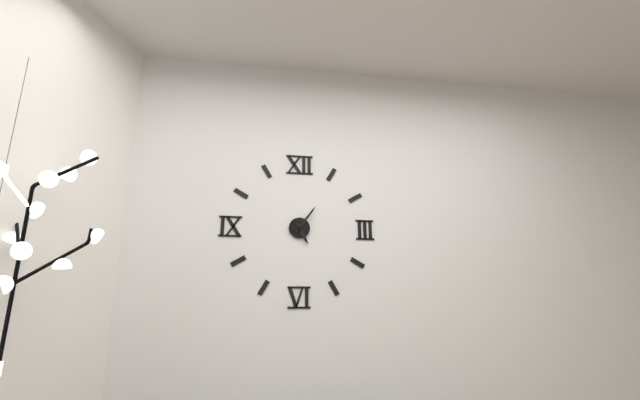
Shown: 5:06
